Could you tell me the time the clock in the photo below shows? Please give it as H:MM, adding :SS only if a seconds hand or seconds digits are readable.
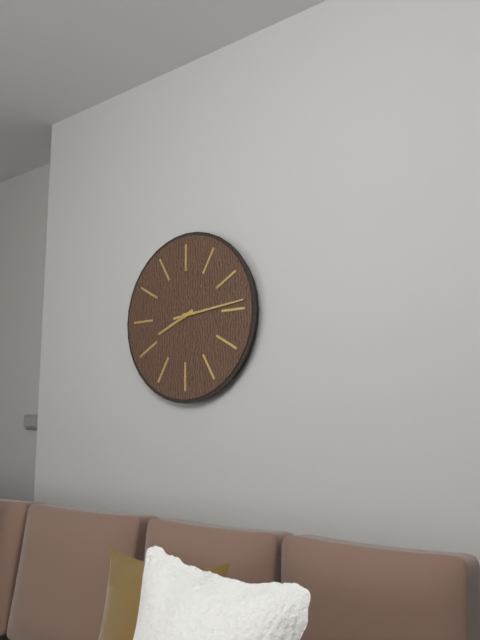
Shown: 8:14
